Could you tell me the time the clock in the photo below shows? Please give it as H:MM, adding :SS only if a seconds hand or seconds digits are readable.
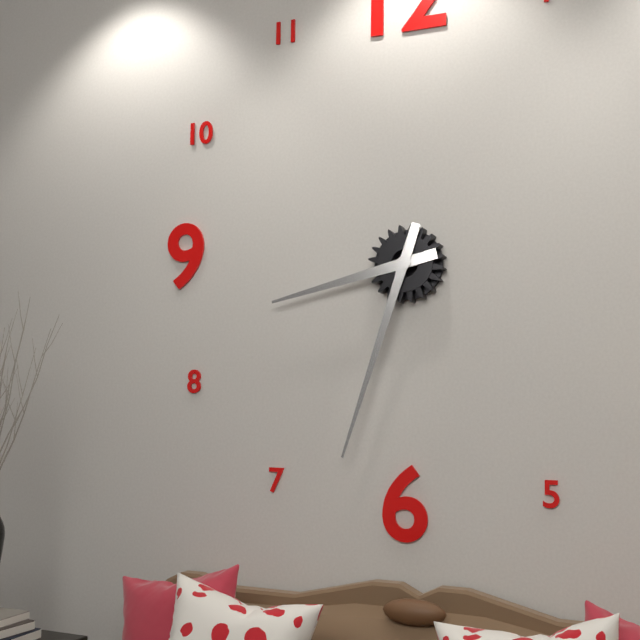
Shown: 8:33
